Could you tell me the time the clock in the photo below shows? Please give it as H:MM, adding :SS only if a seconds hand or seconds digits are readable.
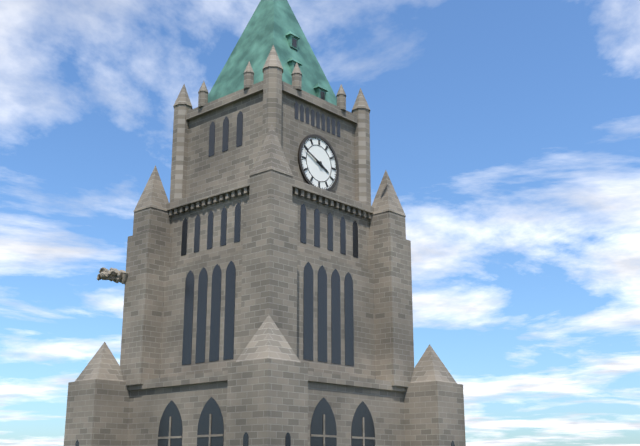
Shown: 3:49
